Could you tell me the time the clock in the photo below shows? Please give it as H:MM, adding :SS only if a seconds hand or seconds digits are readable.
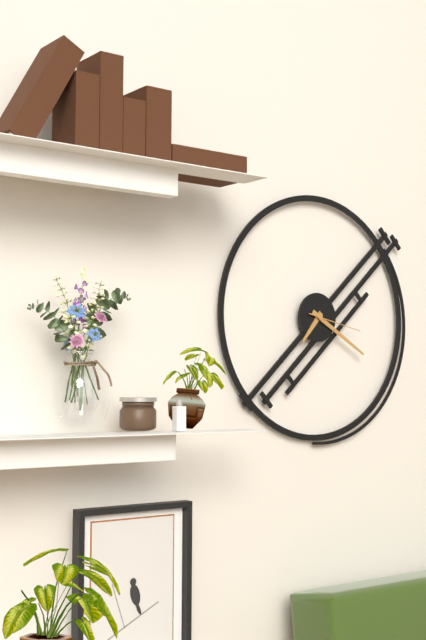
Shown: 7:20:17
